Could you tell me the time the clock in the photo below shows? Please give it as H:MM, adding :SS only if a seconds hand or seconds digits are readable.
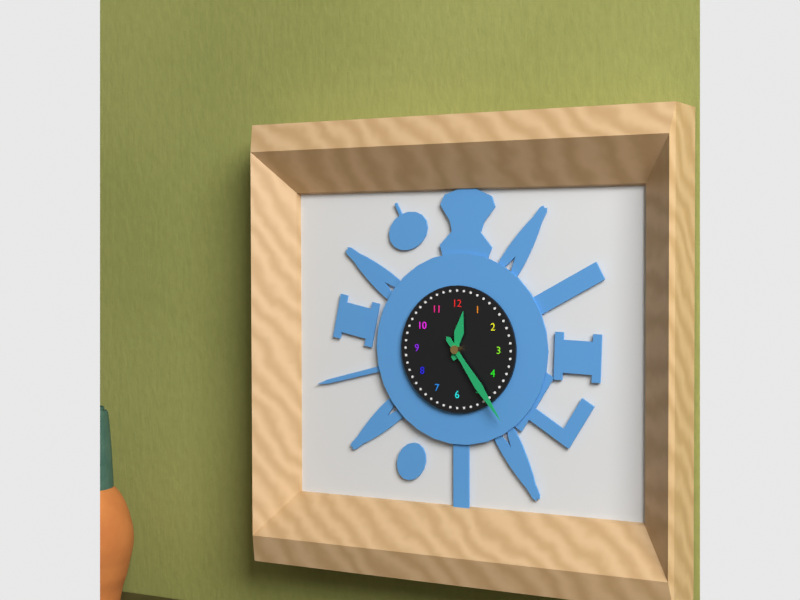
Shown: 12:24
